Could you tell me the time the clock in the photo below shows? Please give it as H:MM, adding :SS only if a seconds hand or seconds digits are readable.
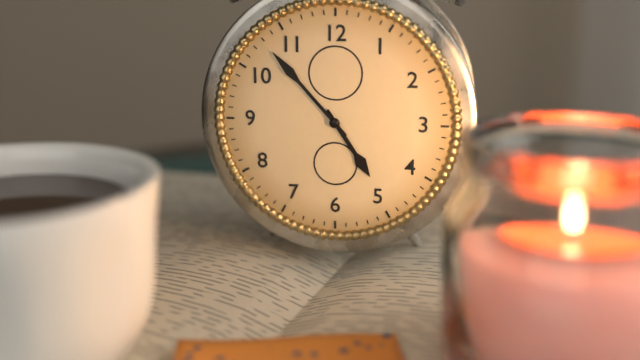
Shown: 4:53
